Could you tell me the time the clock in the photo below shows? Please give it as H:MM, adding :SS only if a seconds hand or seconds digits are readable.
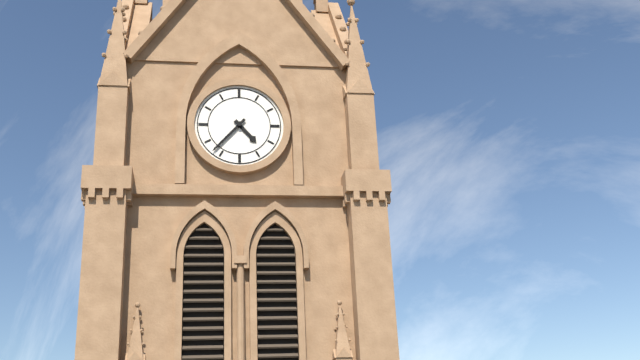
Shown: 4:37
